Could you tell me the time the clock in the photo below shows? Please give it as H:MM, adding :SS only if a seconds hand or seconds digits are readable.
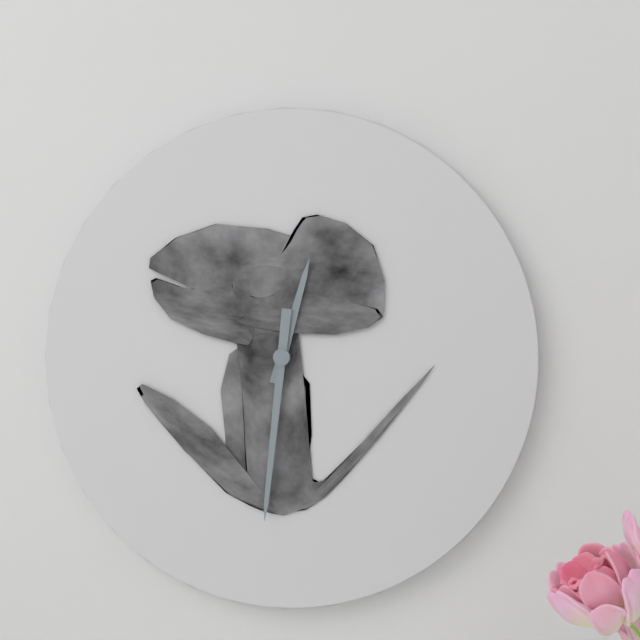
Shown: 12:31
